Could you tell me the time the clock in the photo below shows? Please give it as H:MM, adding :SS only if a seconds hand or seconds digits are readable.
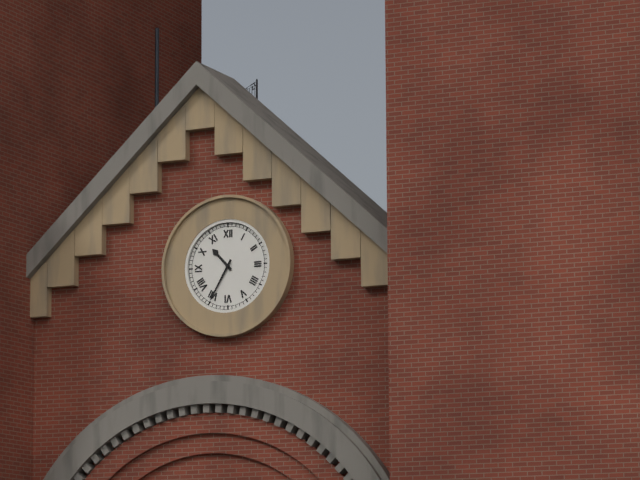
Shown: 10:35
